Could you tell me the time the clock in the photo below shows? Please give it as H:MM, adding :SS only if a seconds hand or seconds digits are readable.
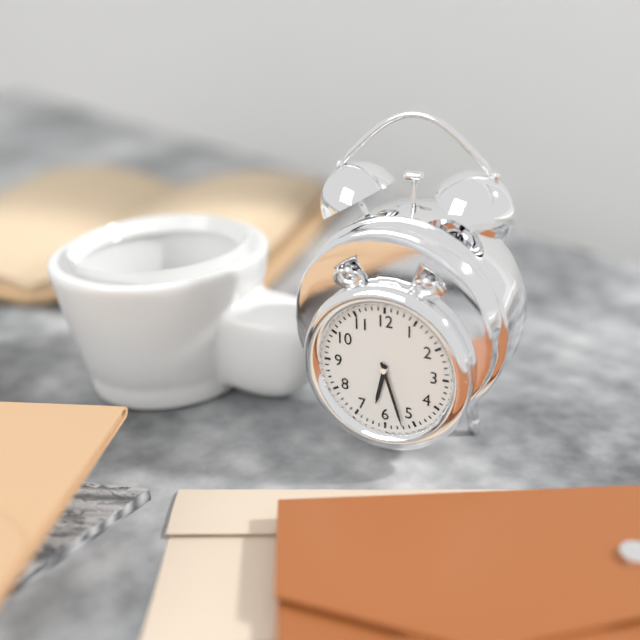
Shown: 6:27
